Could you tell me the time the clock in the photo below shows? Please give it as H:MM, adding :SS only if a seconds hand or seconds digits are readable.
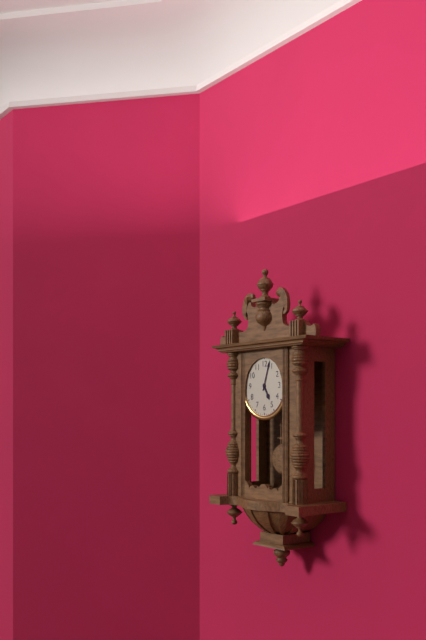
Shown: 5:03
